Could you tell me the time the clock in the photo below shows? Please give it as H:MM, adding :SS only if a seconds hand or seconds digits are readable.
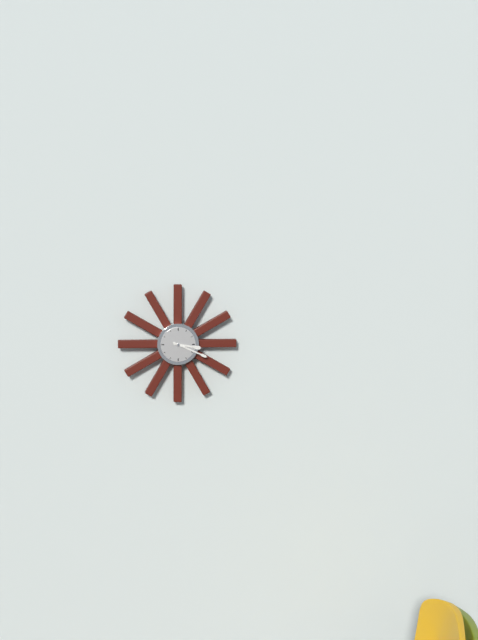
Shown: 3:19
